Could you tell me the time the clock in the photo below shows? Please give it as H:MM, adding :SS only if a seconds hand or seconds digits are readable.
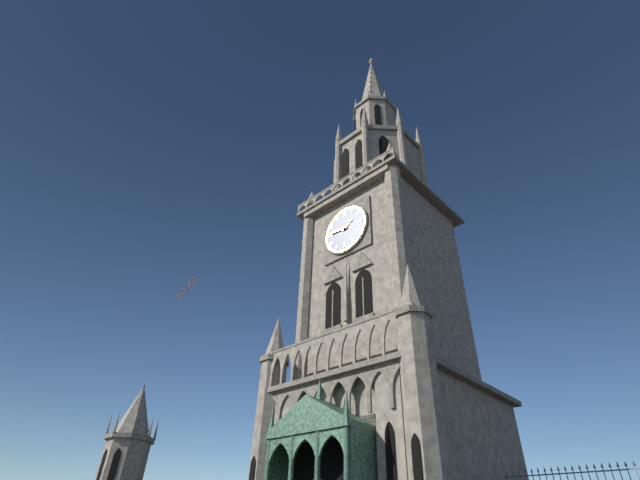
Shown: 1:46
